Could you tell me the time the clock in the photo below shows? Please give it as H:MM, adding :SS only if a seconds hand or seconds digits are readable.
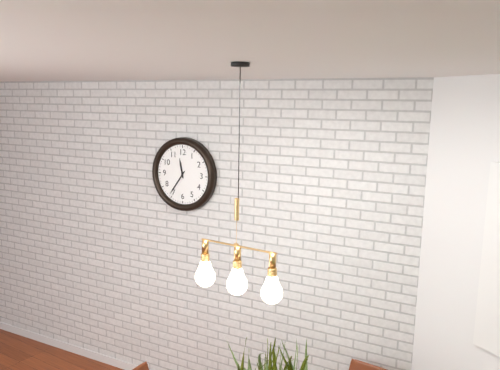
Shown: 11:36
